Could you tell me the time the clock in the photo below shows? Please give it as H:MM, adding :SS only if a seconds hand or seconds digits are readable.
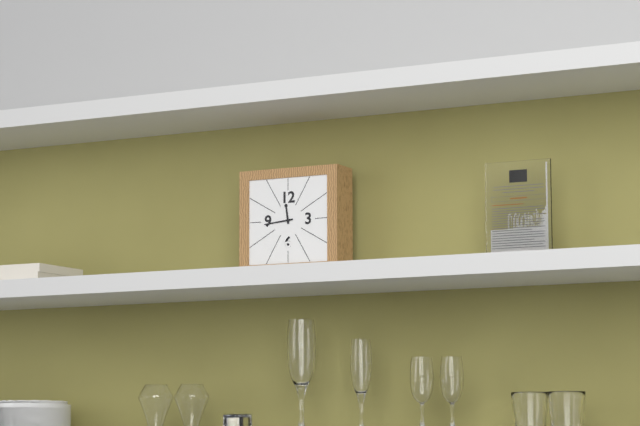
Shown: 11:44
